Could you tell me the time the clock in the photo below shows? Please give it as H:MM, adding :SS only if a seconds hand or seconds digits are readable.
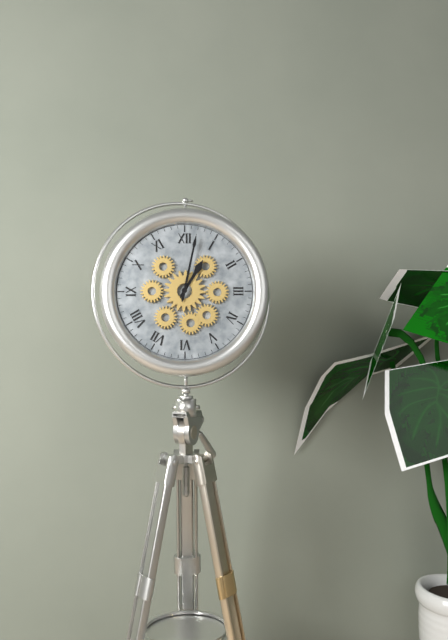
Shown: 1:02
